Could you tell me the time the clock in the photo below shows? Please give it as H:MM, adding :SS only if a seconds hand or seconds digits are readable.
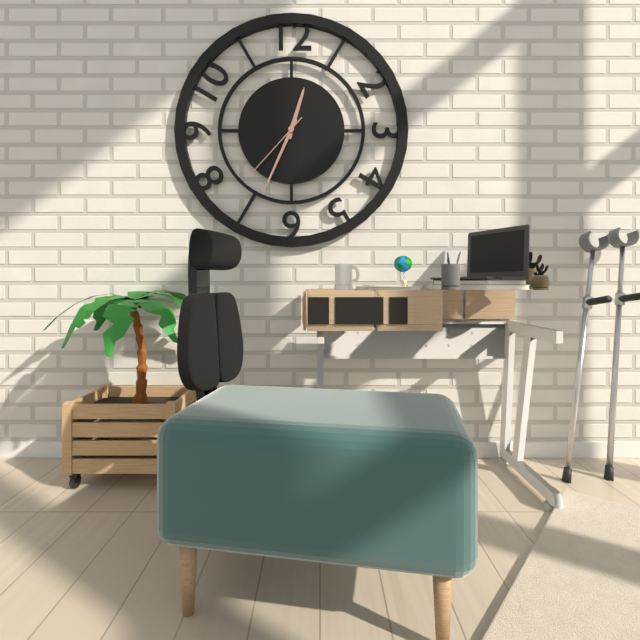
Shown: 12:34:37
